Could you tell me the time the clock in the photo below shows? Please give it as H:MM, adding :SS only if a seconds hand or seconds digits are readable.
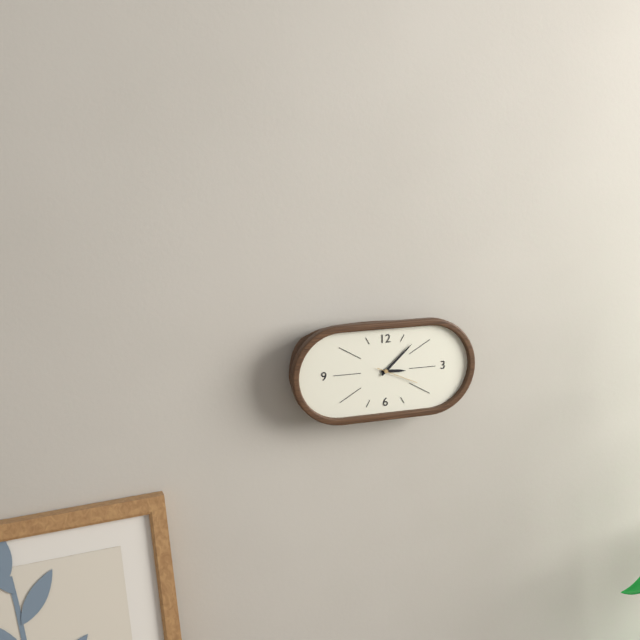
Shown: 3:08
